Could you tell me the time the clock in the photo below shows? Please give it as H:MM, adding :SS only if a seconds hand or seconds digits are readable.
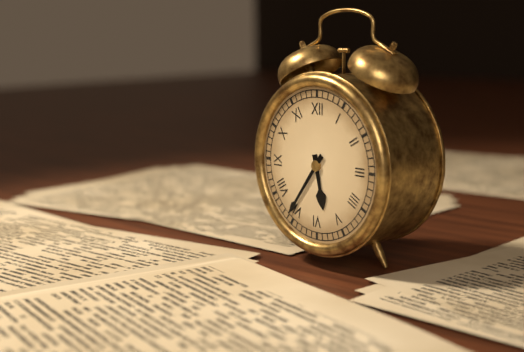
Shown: 5:36
